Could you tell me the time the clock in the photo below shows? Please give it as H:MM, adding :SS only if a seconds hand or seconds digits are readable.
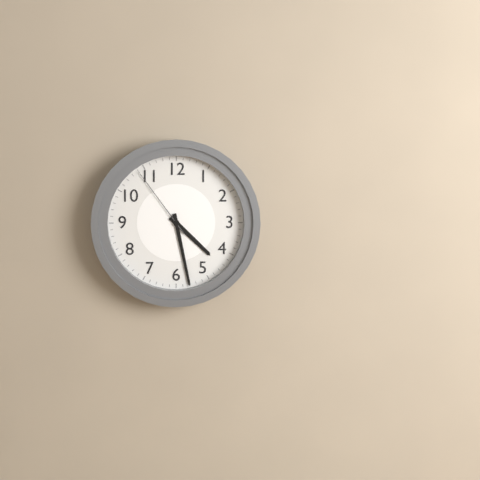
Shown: 4:28:54
